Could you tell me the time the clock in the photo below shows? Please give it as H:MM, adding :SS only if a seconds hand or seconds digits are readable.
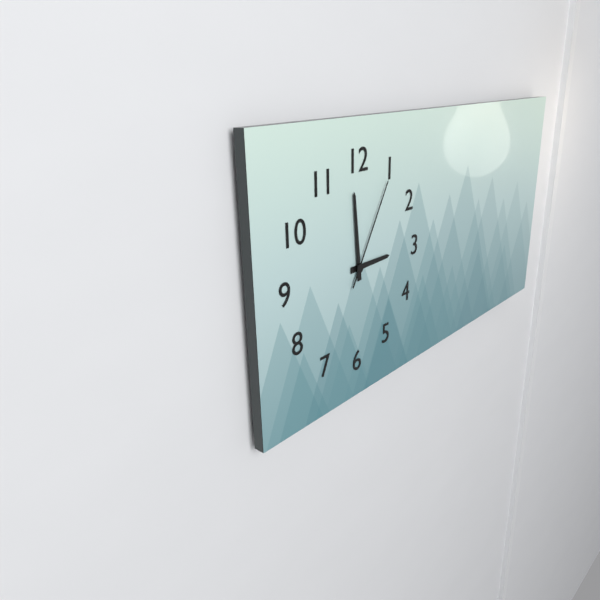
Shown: 2:59:05
